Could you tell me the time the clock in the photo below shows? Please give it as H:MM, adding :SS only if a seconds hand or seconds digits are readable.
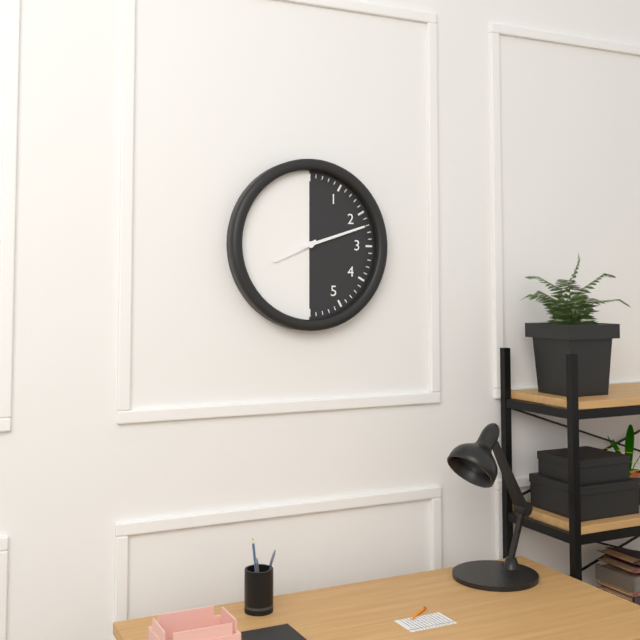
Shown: 8:12
